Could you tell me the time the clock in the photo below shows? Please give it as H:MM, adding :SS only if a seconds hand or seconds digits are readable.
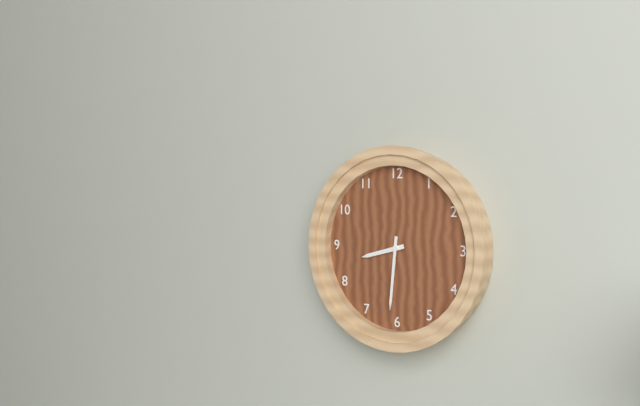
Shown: 8:31
